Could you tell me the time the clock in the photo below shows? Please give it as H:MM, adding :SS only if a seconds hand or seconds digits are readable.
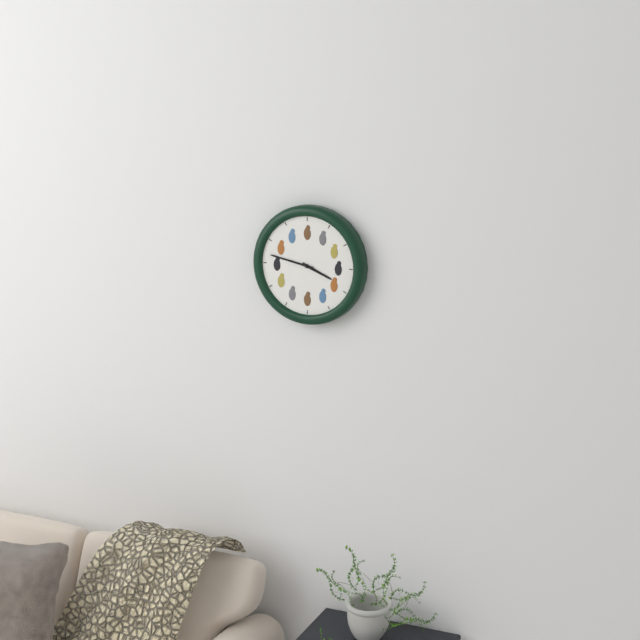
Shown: 3:47
